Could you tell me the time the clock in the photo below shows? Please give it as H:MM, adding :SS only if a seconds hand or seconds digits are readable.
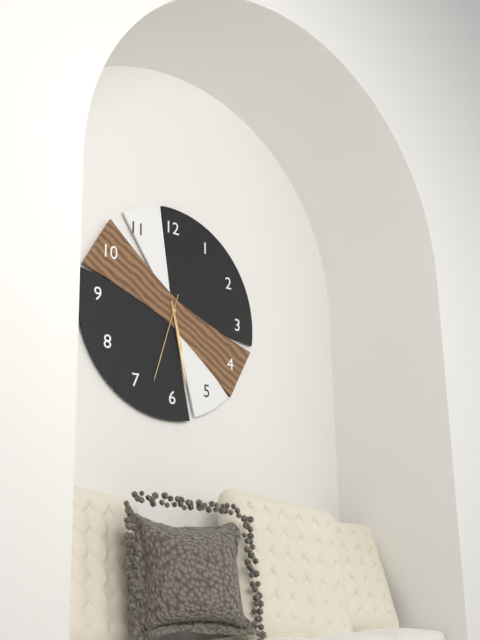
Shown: 5:28:33
